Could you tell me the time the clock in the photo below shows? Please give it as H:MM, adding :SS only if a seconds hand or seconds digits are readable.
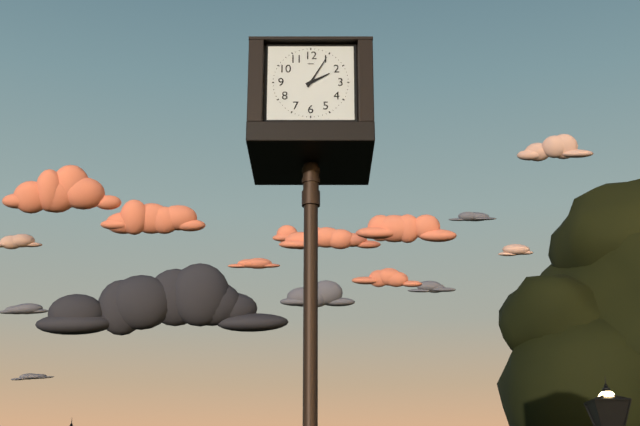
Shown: 2:05
